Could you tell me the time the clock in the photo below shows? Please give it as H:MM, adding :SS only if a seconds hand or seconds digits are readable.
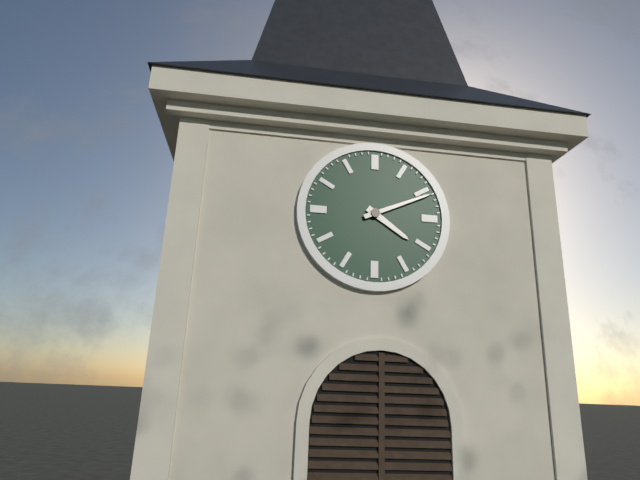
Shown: 4:11
